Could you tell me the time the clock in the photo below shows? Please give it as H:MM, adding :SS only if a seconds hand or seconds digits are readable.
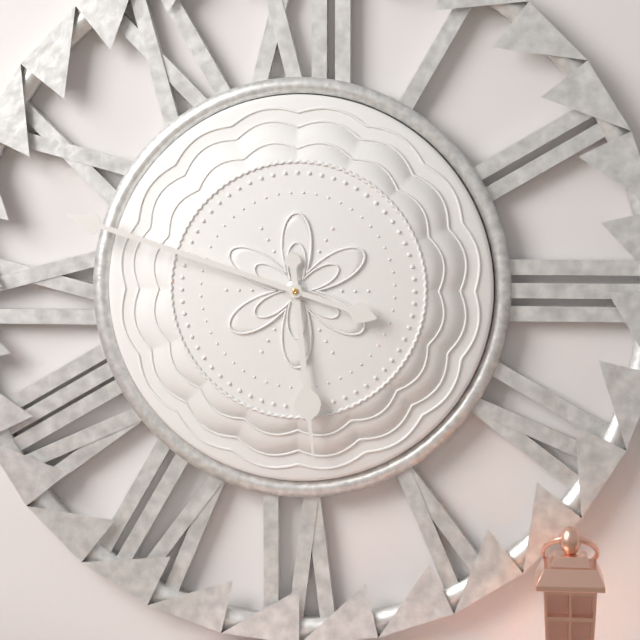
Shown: 5:48
